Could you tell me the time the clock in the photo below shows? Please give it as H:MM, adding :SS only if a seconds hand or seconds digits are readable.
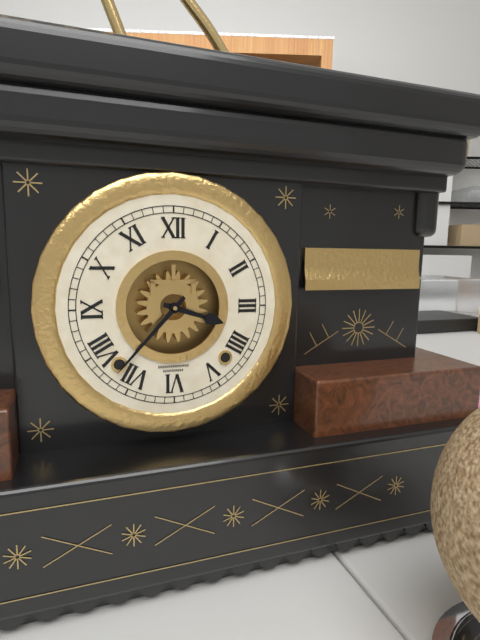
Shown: 3:37
